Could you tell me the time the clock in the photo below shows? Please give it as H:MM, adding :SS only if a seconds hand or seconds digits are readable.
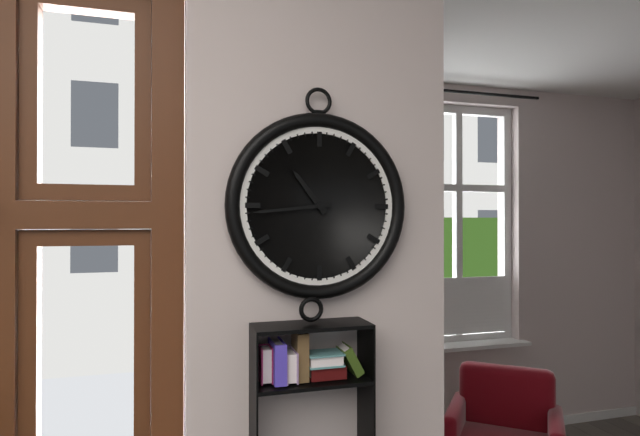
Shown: 10:44
